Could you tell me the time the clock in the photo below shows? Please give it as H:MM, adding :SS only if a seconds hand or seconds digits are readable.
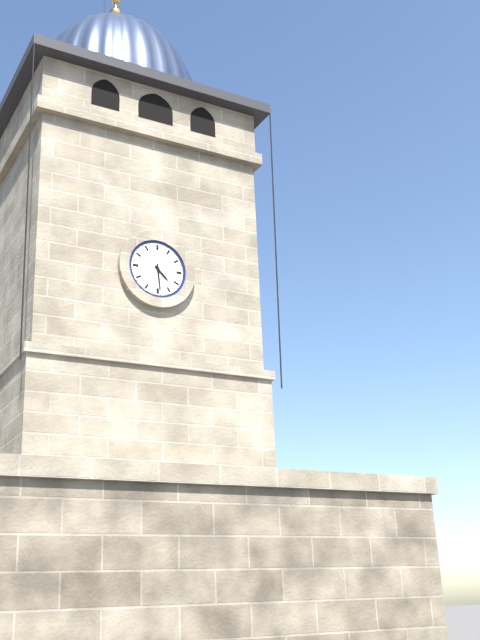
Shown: 4:29
